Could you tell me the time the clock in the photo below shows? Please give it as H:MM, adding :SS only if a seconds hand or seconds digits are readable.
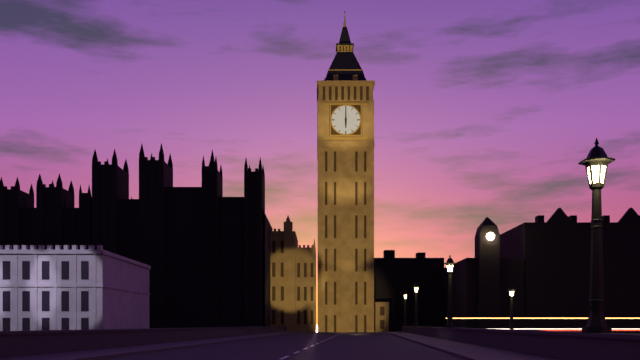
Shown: 6:00
